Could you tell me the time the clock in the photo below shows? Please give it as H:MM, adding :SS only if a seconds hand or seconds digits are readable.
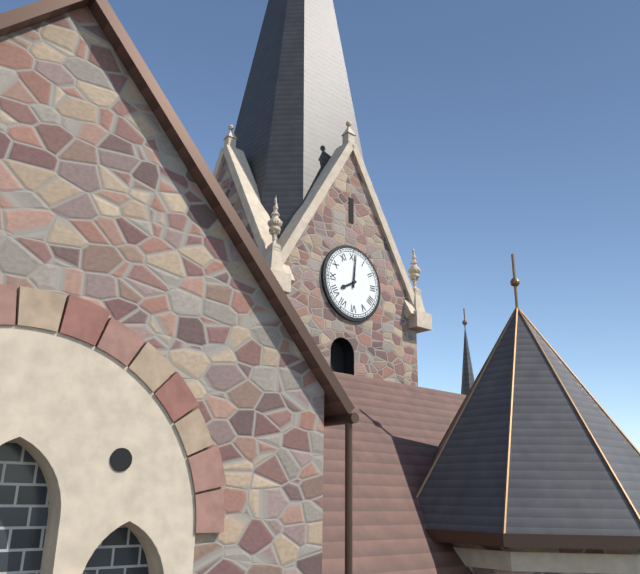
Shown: 8:01
